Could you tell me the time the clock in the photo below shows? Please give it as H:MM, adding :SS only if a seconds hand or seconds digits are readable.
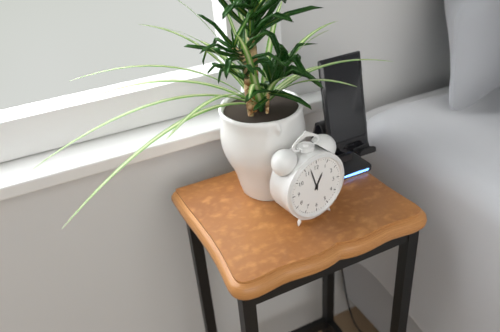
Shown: 12:57
